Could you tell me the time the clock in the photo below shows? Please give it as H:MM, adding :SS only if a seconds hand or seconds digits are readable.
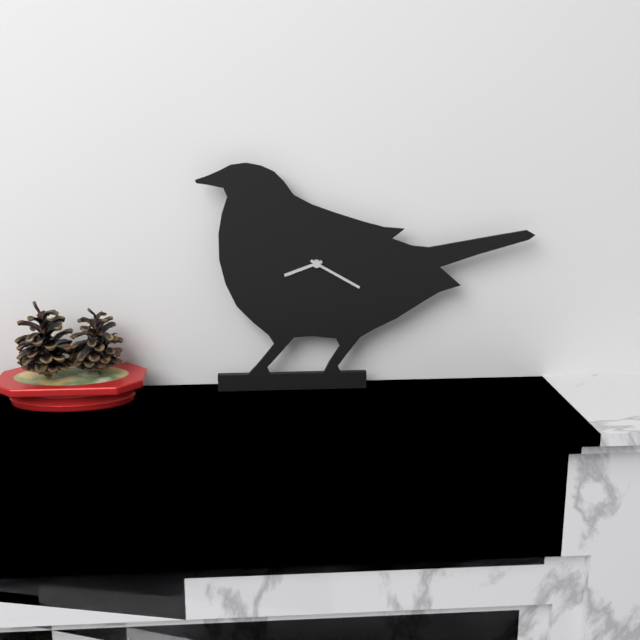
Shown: 8:20
